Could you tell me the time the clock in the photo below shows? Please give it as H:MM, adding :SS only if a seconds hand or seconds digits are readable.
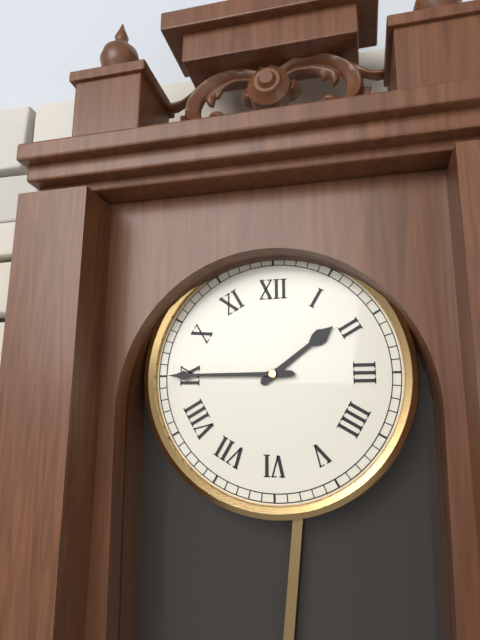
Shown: 1:45
